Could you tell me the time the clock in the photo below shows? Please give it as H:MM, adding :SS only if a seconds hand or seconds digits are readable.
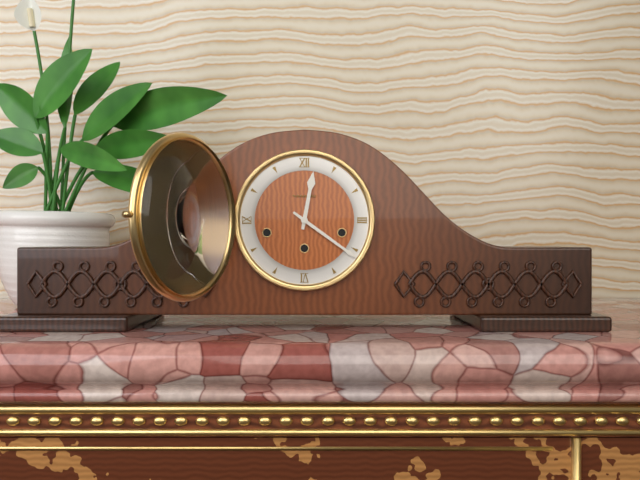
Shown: 12:21
